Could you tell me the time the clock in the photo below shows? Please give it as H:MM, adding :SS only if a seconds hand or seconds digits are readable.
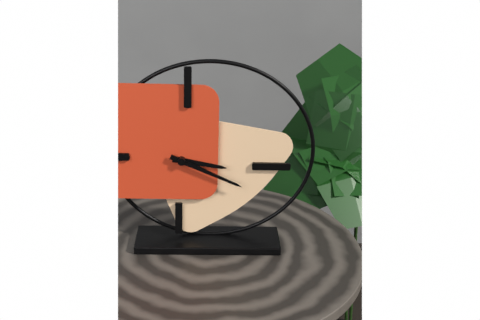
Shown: 3:19
